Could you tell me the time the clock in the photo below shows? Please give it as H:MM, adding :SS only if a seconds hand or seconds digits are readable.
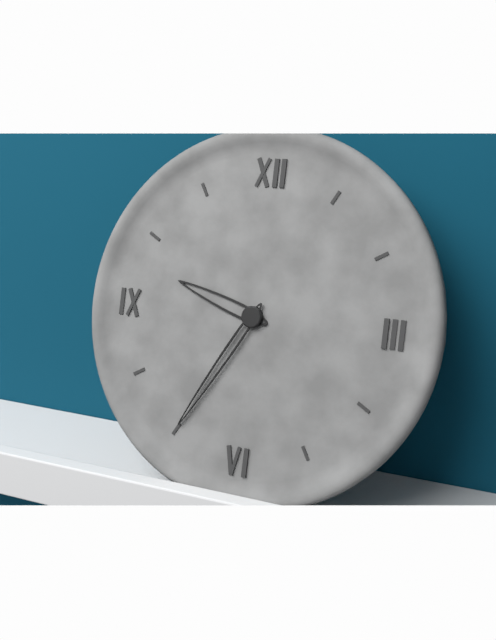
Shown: 9:35
